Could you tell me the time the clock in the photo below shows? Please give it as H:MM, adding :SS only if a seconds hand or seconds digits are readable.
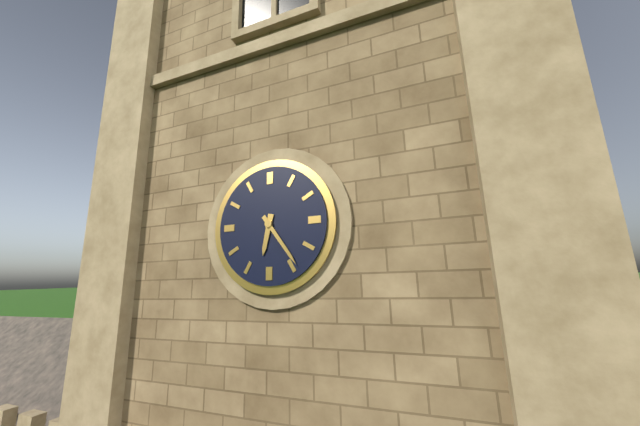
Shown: 6:24
